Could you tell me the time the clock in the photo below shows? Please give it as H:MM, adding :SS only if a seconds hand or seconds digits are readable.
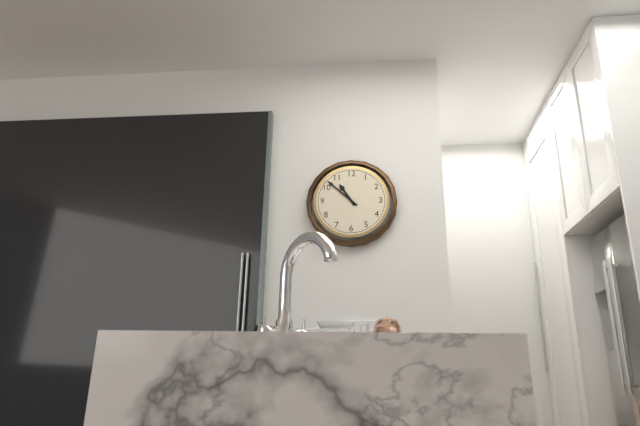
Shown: 10:52
